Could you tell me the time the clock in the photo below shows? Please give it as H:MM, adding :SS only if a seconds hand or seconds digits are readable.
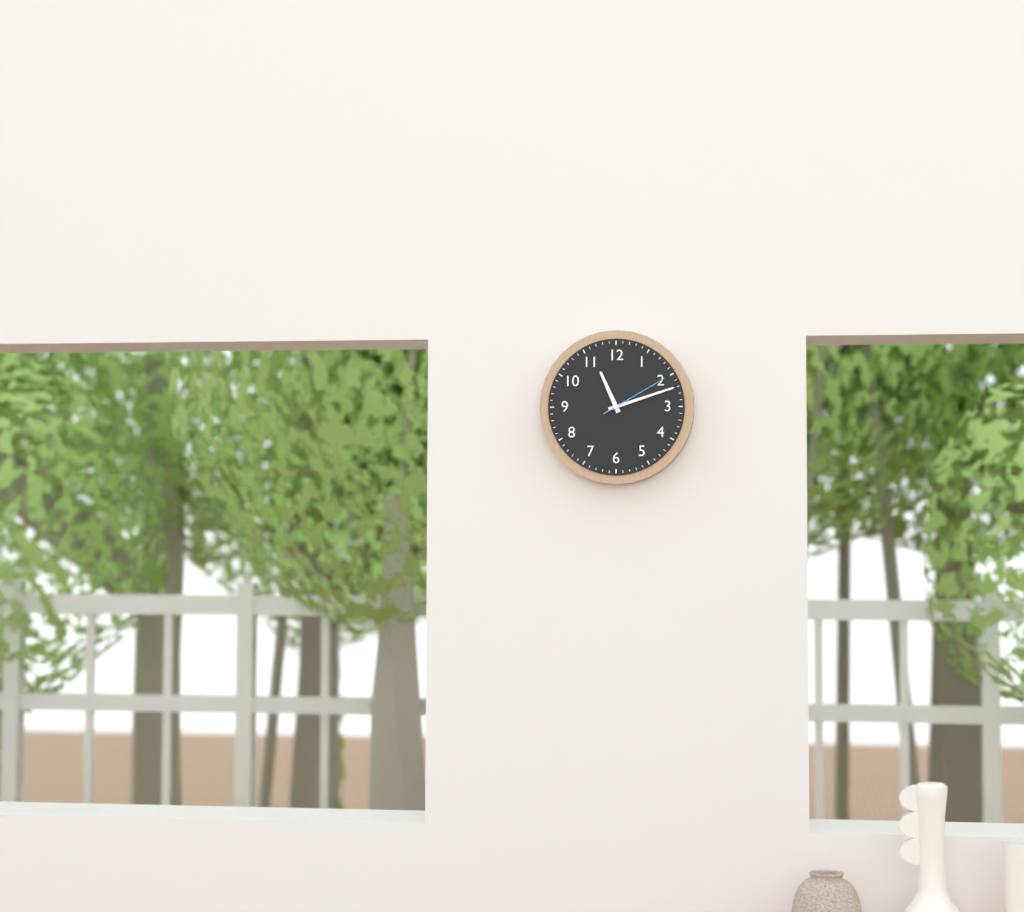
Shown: 11:12:10
